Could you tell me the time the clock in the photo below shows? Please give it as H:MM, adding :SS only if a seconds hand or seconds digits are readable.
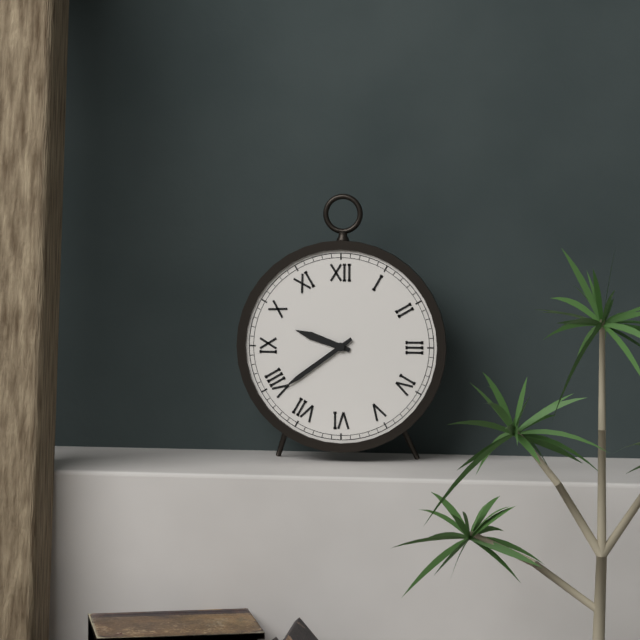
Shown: 9:39
